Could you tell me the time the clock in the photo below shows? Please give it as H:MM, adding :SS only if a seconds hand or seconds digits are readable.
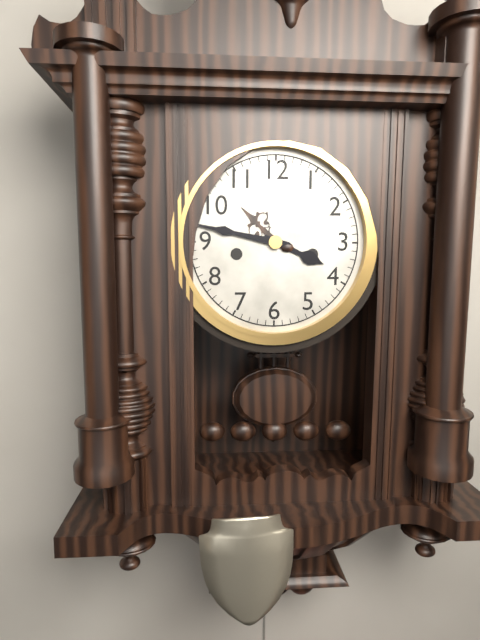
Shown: 3:47
